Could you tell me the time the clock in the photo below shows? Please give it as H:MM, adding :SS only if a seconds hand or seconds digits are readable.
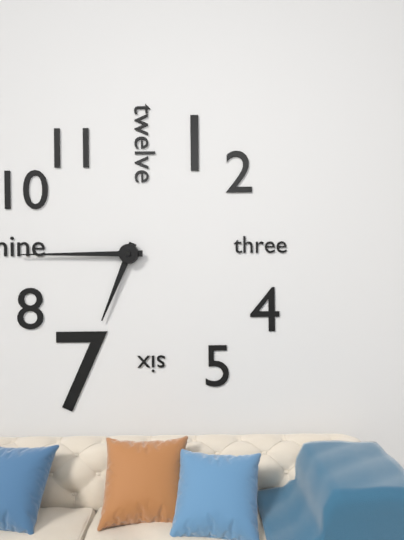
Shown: 6:45
